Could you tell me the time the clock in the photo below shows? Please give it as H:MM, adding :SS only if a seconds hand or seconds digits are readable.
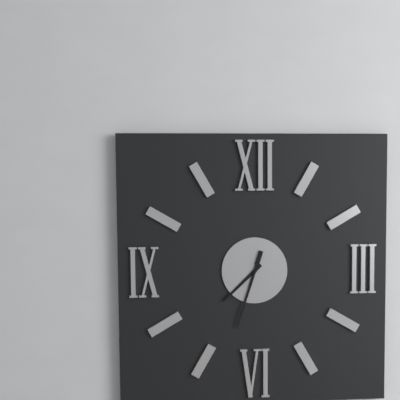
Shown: 7:33
